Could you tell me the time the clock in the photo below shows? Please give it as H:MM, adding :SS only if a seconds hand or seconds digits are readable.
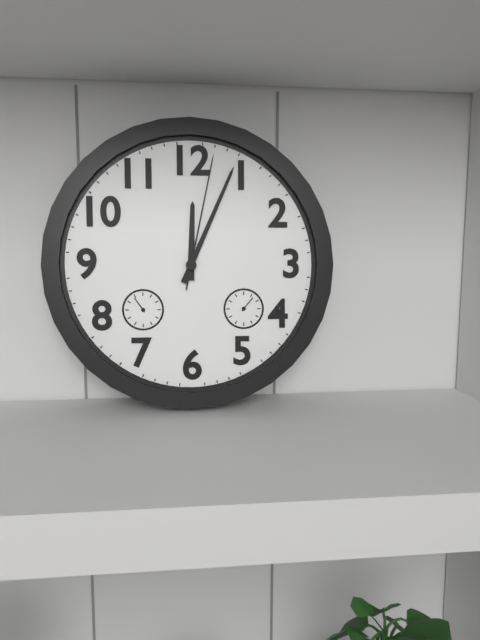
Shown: 12:04:02
